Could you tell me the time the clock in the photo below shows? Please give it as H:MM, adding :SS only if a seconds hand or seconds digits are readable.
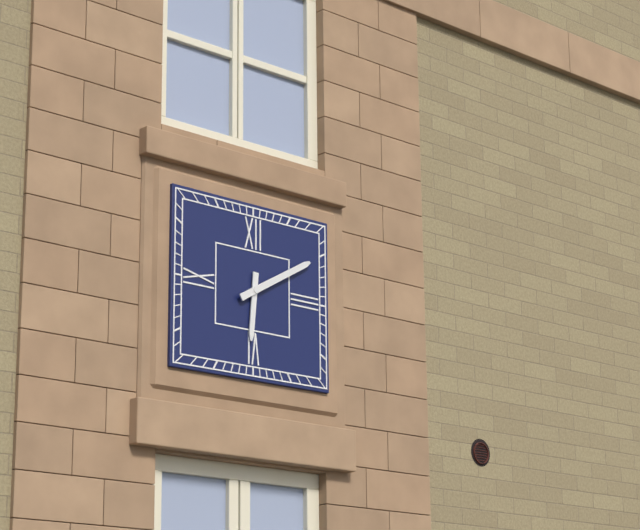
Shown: 6:10
